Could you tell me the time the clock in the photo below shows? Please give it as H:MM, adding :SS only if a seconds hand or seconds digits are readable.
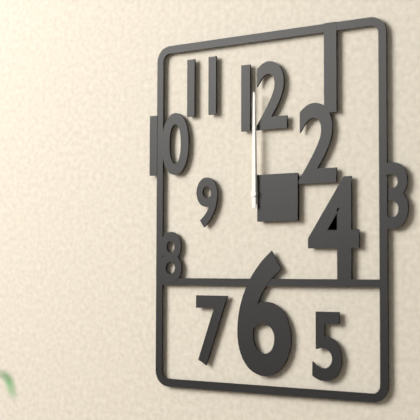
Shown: 12:00
